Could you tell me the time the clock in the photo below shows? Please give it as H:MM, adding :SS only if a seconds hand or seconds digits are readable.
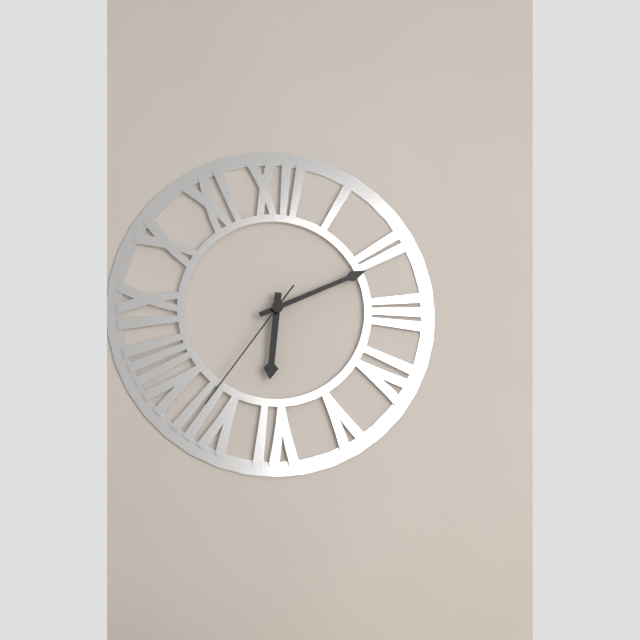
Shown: 6:11:36
